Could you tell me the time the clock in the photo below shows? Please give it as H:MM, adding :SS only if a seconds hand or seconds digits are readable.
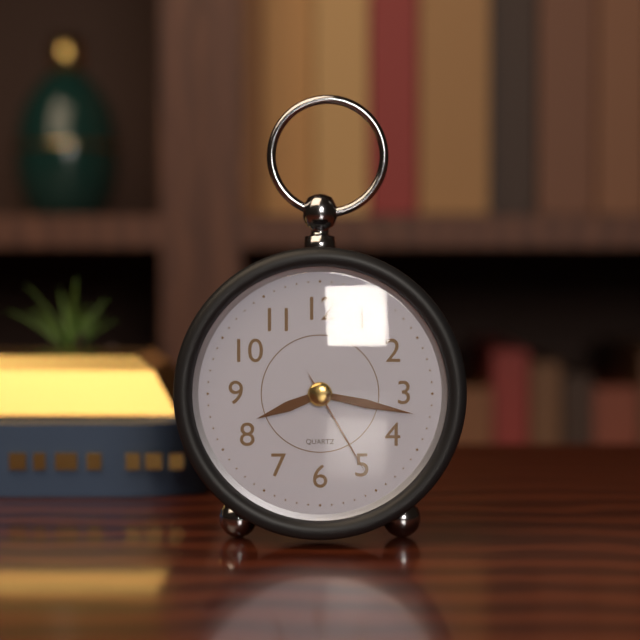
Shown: 8:17:25
